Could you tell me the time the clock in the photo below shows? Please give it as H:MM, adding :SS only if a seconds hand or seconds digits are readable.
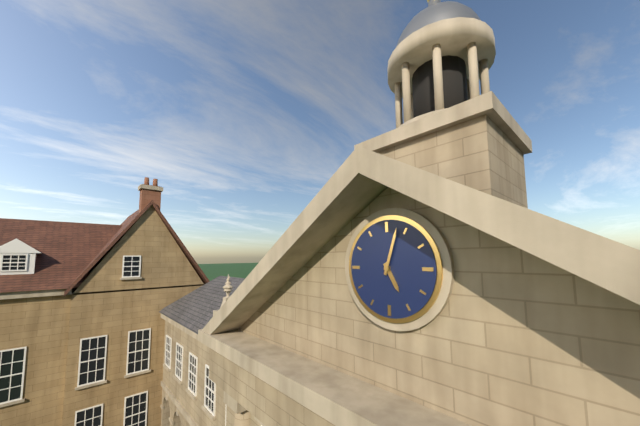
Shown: 5:03
